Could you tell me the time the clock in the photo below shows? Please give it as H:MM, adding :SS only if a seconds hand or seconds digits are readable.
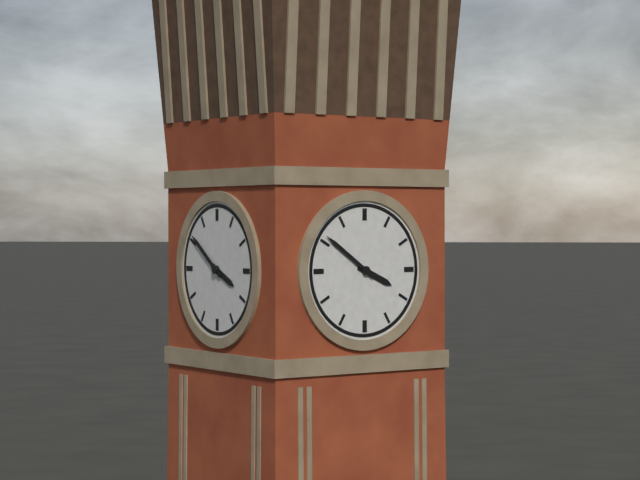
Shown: 3:51
